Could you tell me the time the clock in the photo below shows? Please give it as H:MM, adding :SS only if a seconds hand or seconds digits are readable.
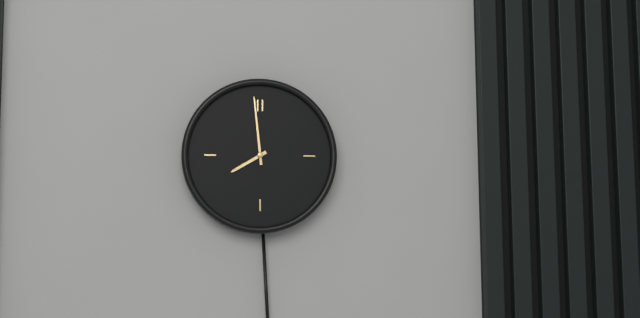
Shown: 7:59
